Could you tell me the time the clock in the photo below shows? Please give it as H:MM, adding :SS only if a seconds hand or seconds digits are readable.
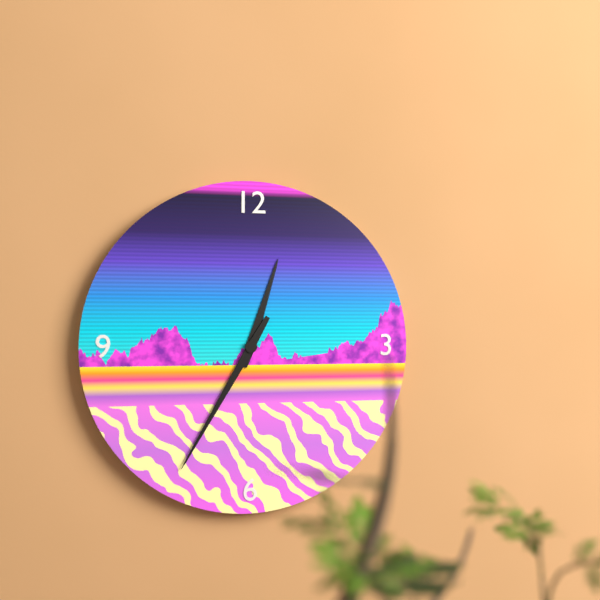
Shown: 12:35
